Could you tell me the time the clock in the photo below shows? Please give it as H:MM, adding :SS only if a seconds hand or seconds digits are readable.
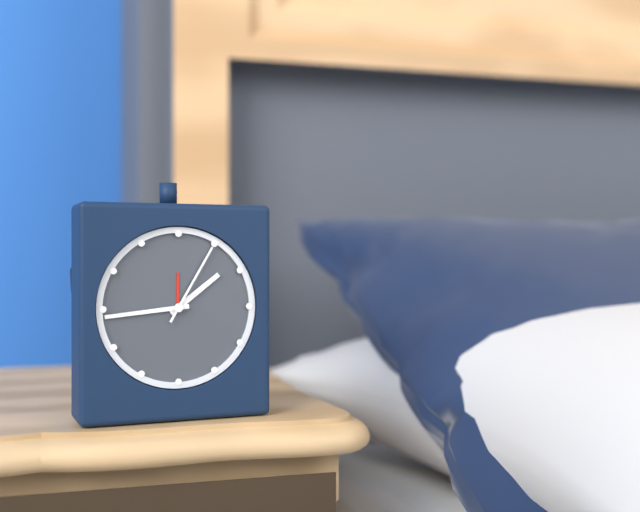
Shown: 1:44:05
